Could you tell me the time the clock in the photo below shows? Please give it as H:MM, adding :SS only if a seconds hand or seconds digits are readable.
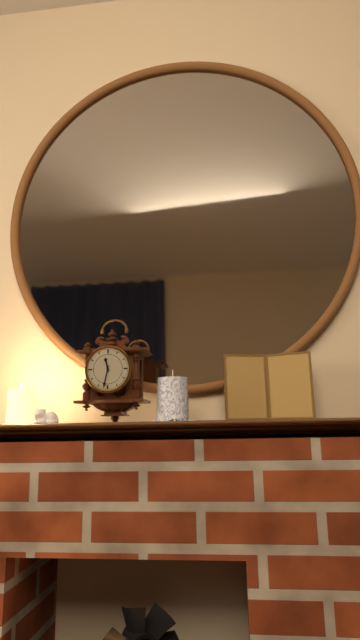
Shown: 11:32
